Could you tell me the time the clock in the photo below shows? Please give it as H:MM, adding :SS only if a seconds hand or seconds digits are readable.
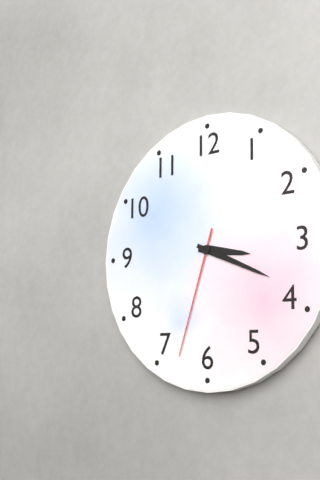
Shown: 3:19:33
